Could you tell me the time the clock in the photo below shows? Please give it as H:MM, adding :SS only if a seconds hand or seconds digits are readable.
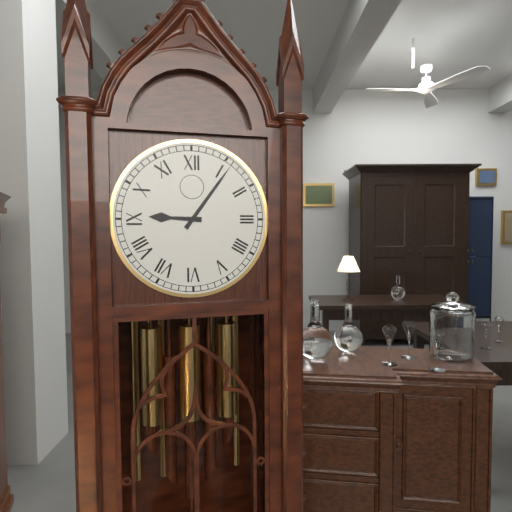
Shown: 9:06
